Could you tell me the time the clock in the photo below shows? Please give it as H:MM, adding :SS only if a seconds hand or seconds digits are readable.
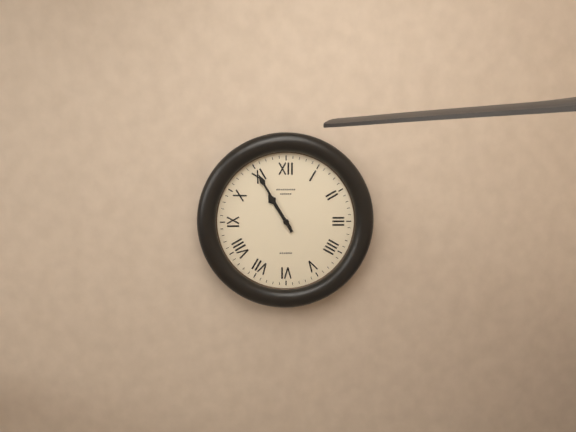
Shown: 10:55
